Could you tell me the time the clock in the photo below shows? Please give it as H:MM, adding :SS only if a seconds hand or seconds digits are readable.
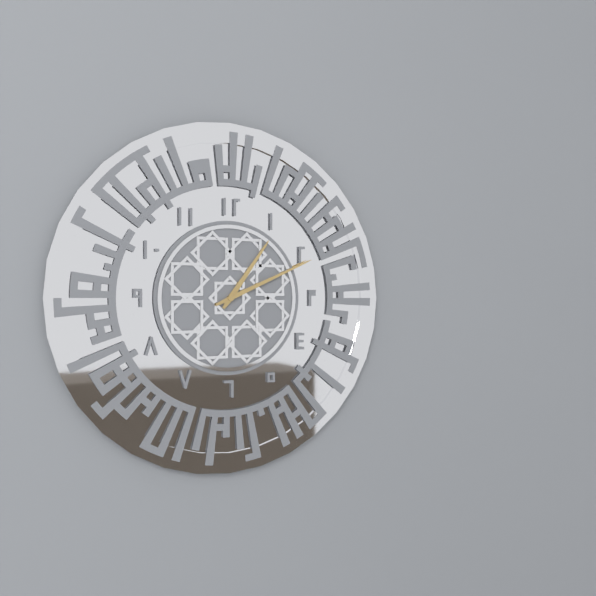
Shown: 1:11
